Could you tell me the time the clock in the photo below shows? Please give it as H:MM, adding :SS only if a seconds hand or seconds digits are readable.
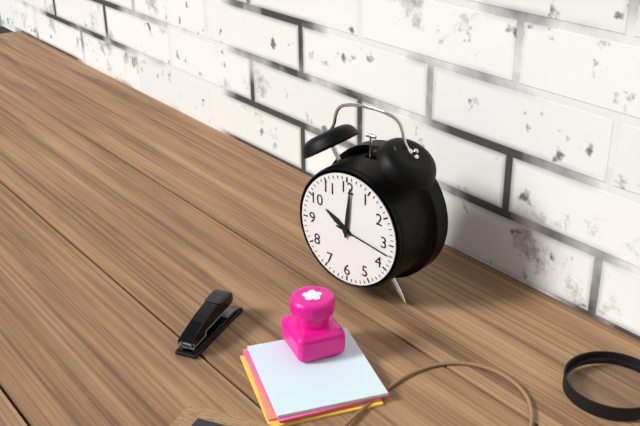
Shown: 10:01:17
